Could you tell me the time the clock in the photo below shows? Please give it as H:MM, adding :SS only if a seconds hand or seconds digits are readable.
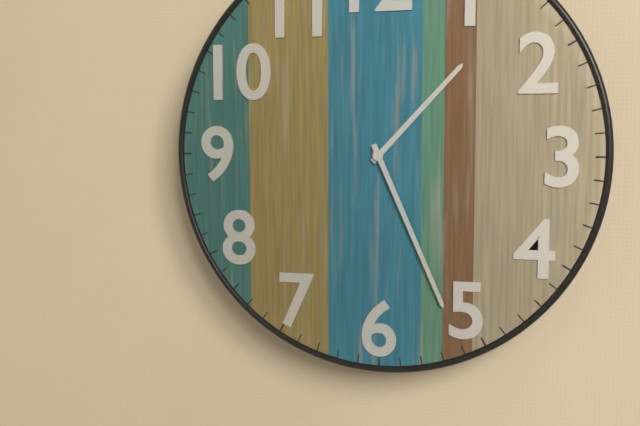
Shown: 1:26
